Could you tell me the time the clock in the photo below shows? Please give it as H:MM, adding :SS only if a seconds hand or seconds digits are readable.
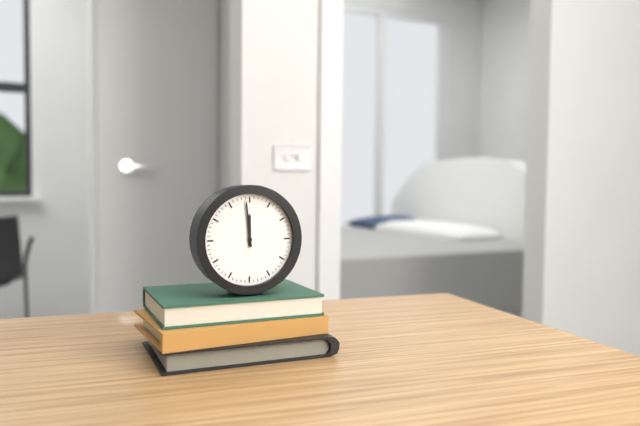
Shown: 11:59
